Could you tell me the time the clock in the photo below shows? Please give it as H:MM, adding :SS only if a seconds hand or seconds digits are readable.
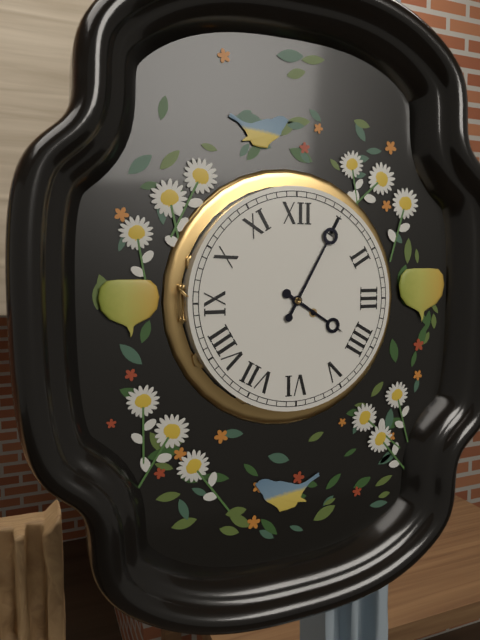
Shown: 4:05
